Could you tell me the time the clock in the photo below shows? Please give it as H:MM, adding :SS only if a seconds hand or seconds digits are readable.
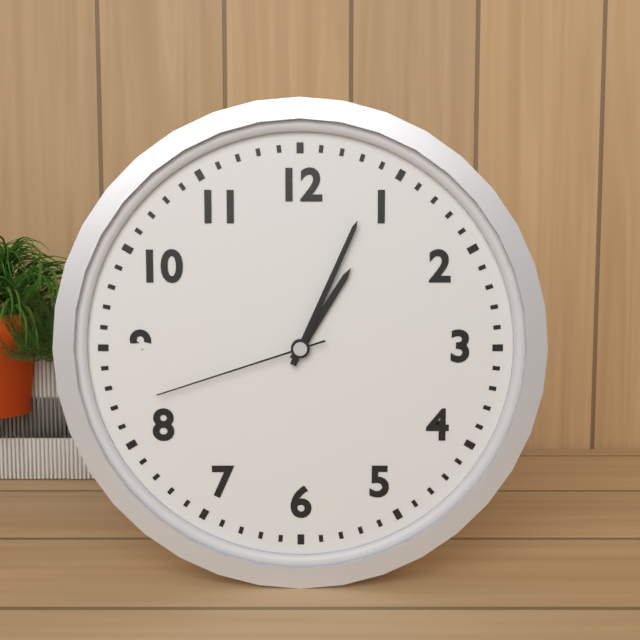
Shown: 1:04:42
